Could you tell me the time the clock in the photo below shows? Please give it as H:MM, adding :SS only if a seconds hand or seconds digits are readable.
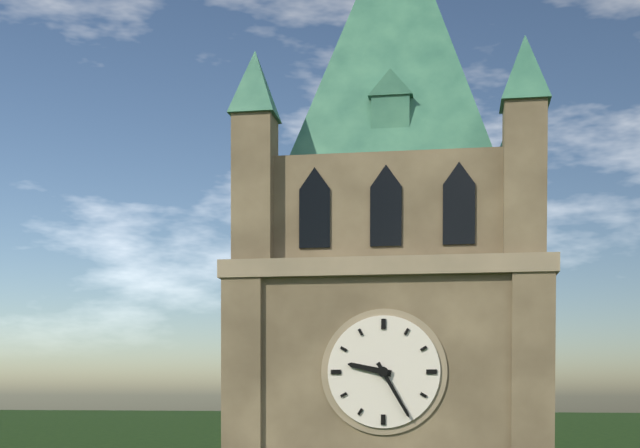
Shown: 9:25
